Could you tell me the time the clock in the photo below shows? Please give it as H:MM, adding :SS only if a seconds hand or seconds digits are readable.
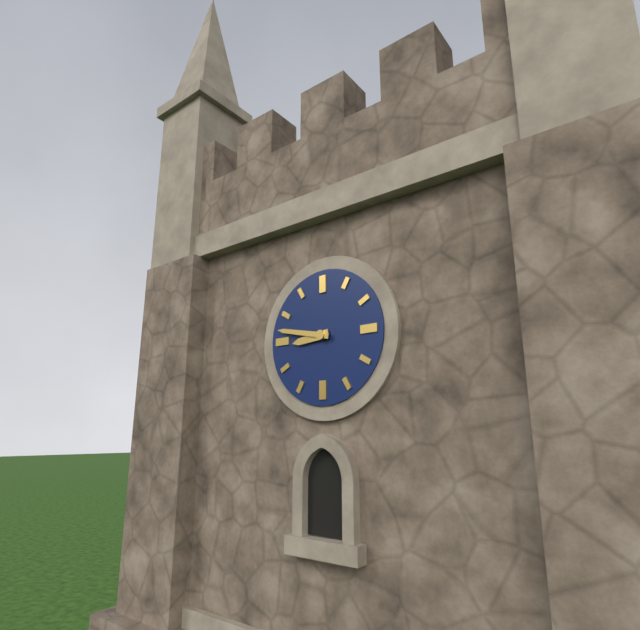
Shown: 8:47
